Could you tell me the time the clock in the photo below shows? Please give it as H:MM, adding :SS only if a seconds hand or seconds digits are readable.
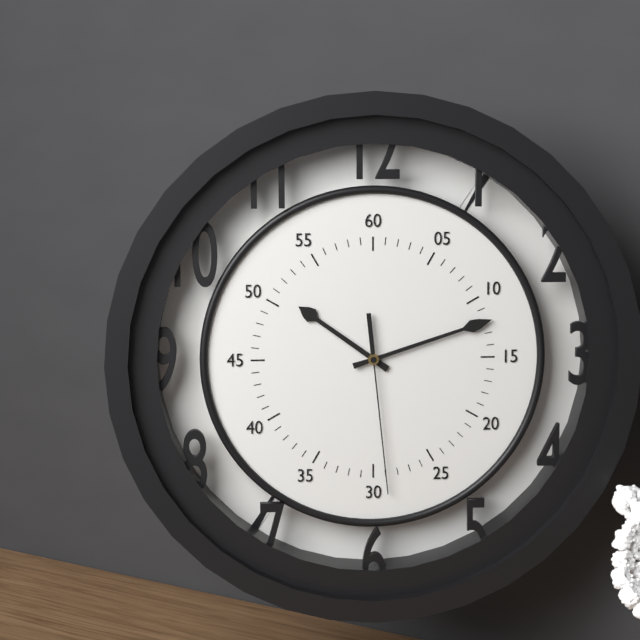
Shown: 10:12:29
